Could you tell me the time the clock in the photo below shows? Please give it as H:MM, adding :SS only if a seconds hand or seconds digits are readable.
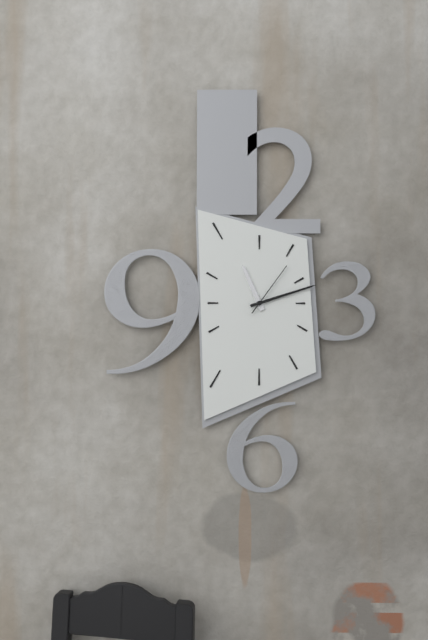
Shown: 11:12:06
